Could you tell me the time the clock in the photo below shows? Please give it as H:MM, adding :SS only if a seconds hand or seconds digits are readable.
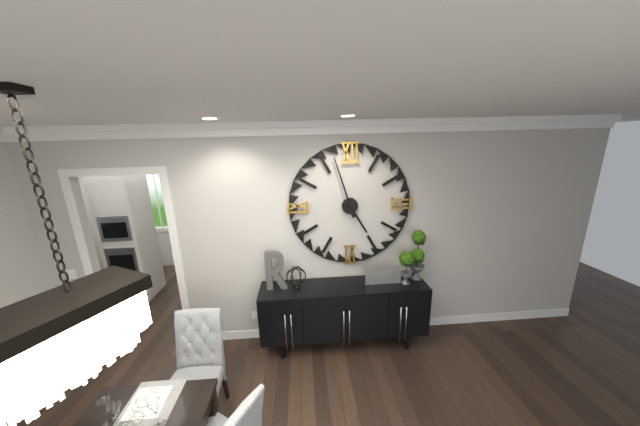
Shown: 4:57
